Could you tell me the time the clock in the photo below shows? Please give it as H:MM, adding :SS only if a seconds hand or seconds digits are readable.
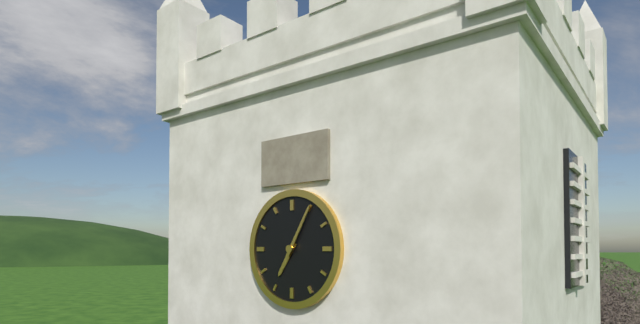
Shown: 7:05
